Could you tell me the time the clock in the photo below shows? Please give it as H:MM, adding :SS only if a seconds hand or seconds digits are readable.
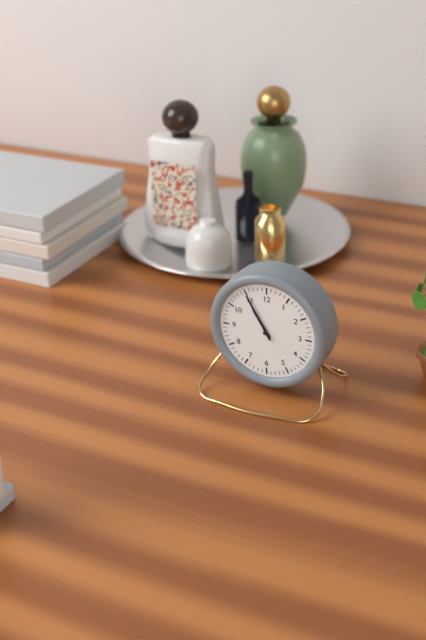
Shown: 10:55
